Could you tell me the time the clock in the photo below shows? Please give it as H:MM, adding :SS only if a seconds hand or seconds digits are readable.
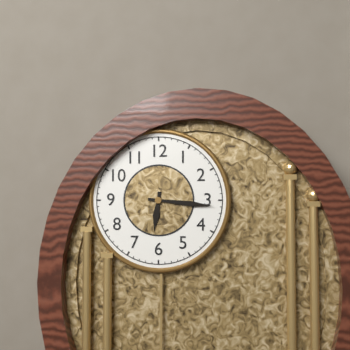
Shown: 6:16
